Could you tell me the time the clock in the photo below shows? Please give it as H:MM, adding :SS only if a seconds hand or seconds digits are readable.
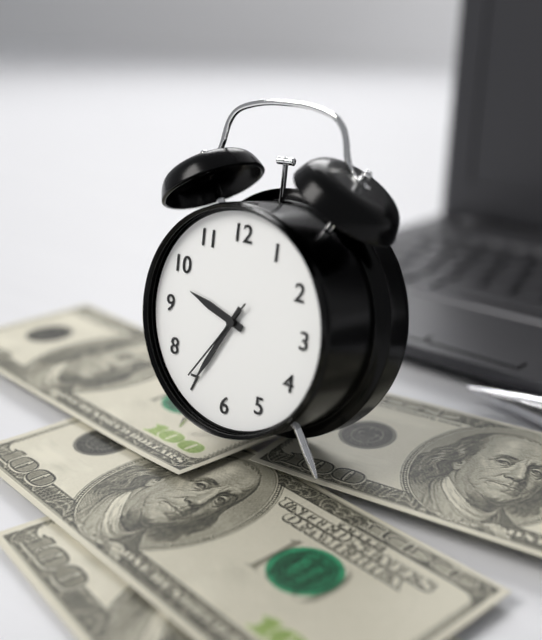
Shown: 9:35:36
